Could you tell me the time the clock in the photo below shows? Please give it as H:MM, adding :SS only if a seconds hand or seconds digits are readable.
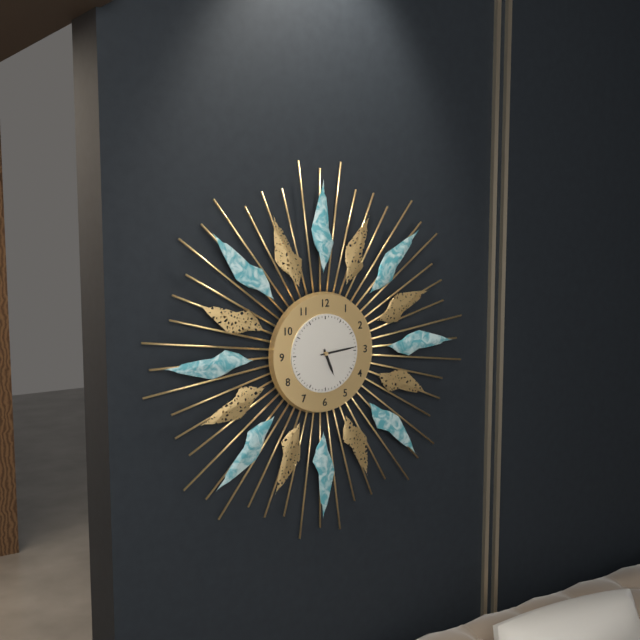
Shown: 5:14
